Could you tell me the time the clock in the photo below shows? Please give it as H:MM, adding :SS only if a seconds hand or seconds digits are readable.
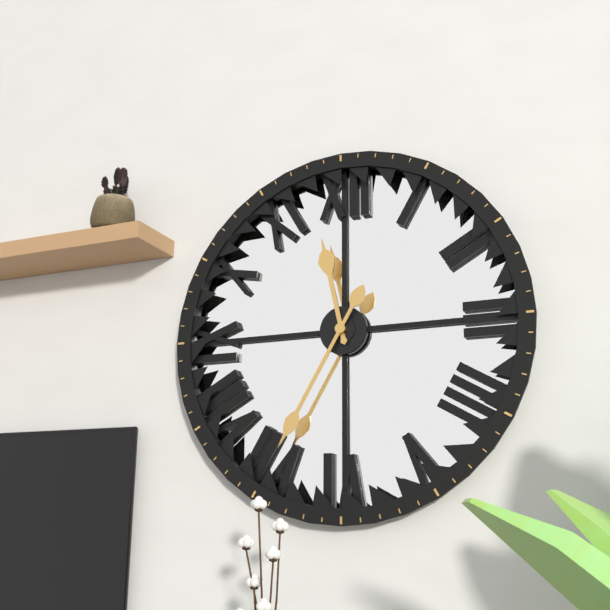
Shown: 11:35
